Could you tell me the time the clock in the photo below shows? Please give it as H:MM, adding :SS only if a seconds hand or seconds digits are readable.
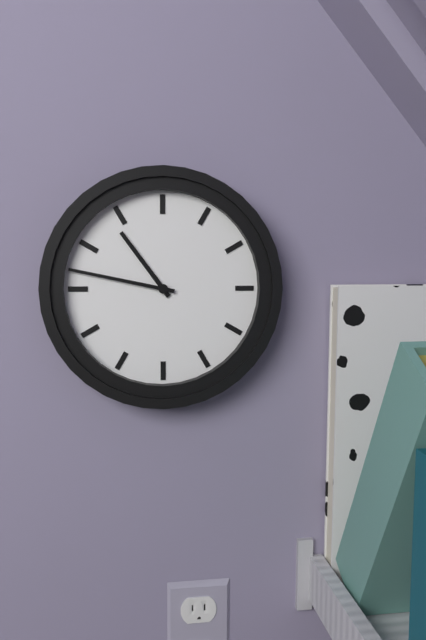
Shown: 10:47
